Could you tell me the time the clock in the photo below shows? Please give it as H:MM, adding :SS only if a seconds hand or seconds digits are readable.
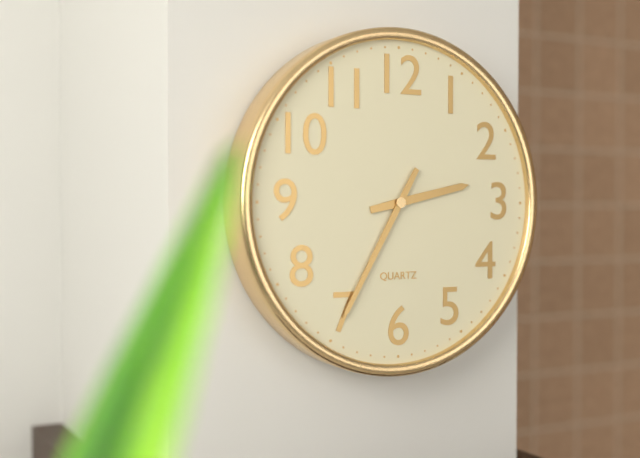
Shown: 2:35
